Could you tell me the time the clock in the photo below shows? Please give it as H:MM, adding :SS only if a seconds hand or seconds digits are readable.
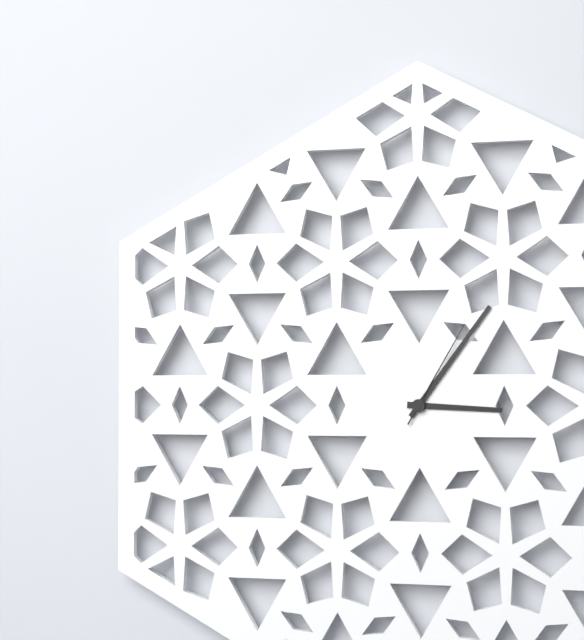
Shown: 3:06:05
